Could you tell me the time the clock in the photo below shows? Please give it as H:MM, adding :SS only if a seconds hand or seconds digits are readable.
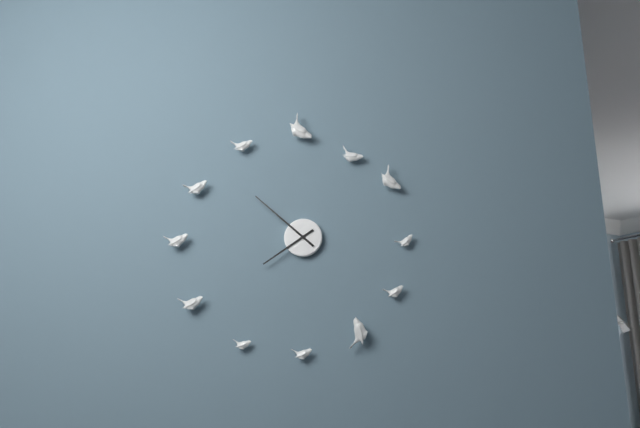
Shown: 7:52
